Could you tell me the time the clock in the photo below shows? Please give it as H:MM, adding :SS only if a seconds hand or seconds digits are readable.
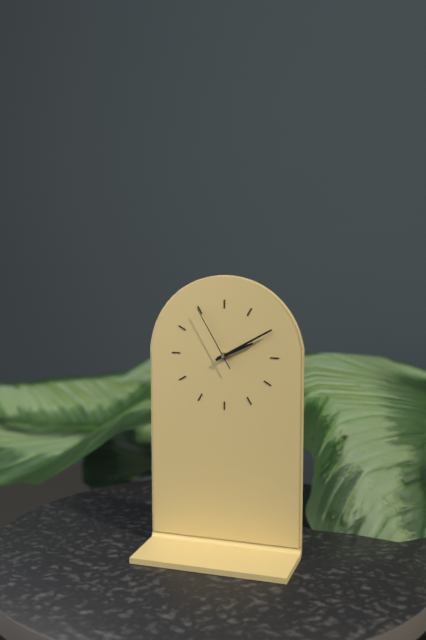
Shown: 2:10:55
